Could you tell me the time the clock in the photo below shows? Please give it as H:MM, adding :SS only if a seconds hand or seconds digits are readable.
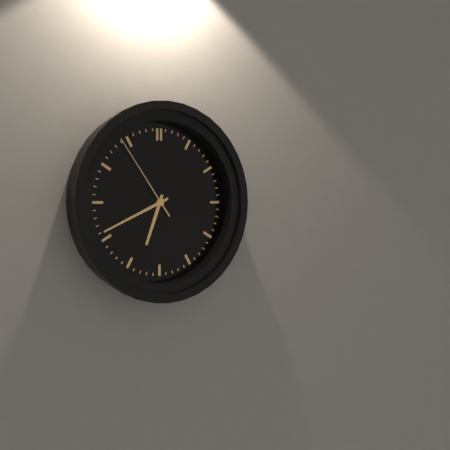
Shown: 6:41:54
